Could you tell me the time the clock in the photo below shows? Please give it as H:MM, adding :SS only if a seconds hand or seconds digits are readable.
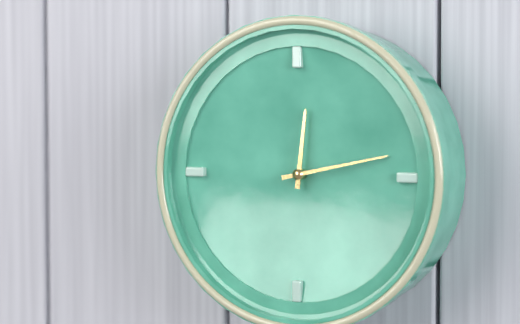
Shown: 12:13
